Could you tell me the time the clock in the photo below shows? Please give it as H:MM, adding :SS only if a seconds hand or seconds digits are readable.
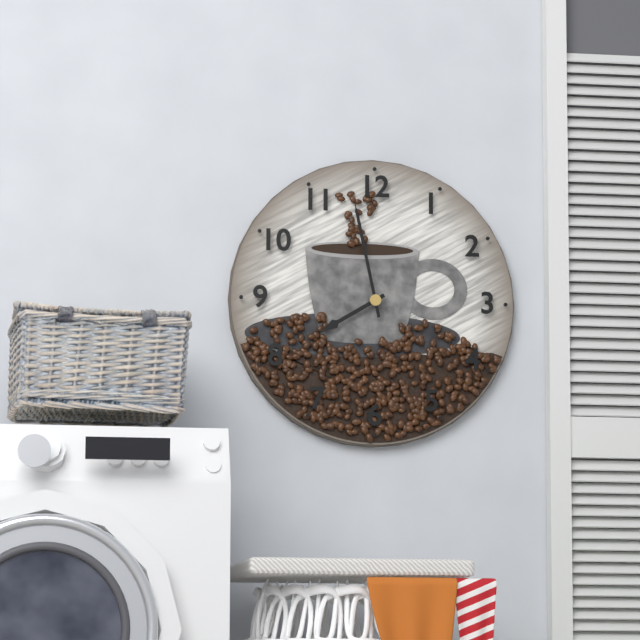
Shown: 7:58
